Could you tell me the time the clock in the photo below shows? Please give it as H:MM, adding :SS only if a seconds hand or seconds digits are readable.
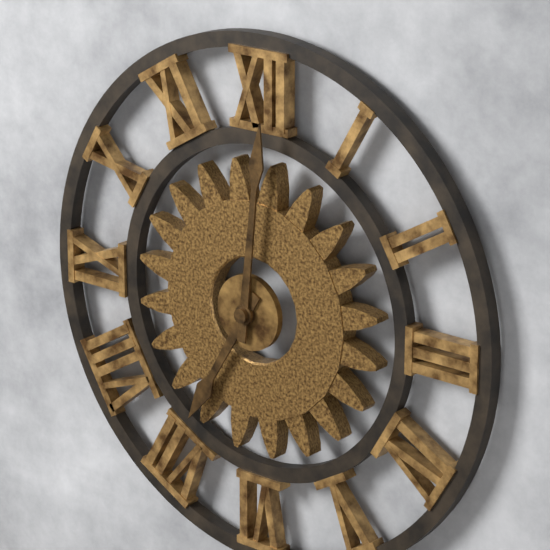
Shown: 7:01
